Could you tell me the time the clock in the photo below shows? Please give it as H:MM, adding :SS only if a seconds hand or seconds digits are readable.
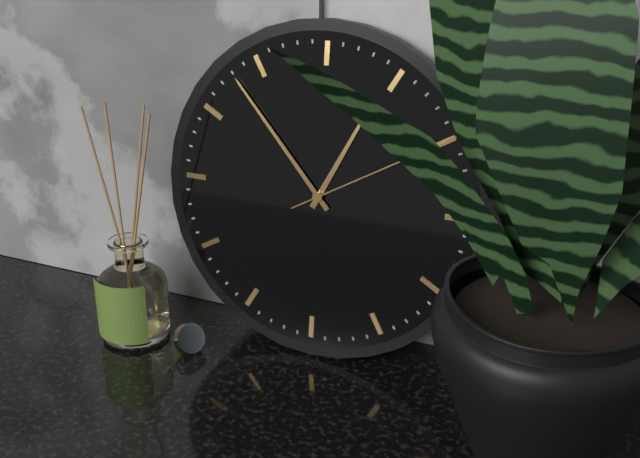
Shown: 12:53:10
